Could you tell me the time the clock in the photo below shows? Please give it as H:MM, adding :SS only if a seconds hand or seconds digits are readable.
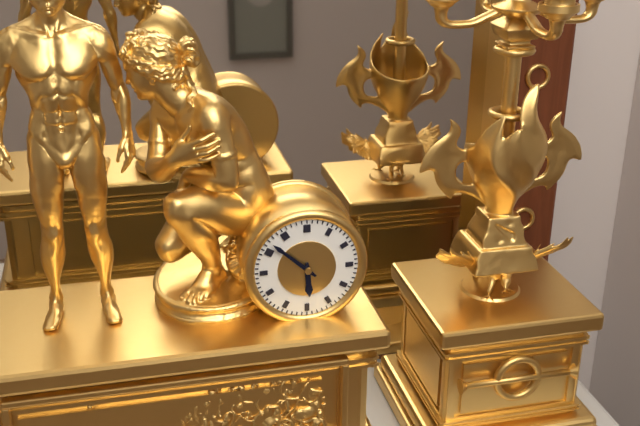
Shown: 5:52
